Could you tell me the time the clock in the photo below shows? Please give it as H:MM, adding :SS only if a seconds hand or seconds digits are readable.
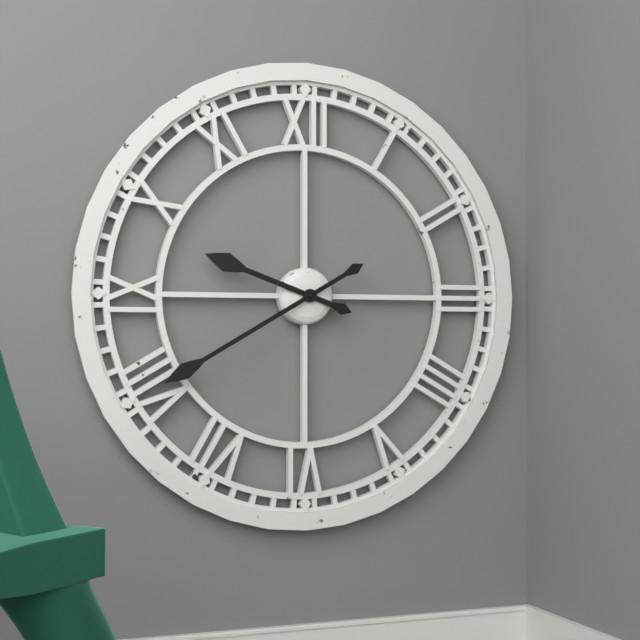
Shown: 9:40
